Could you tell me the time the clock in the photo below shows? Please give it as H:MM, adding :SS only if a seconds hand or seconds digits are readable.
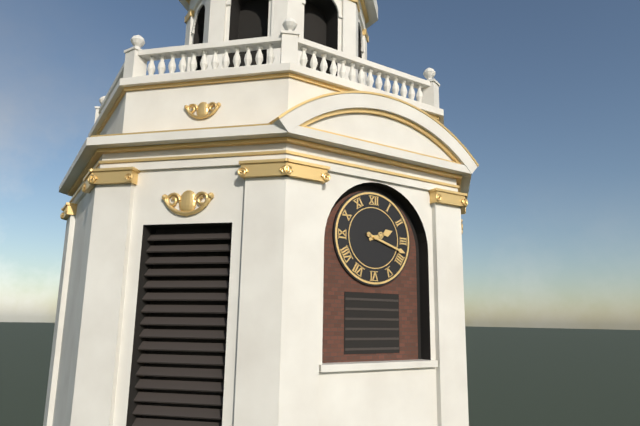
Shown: 2:18
